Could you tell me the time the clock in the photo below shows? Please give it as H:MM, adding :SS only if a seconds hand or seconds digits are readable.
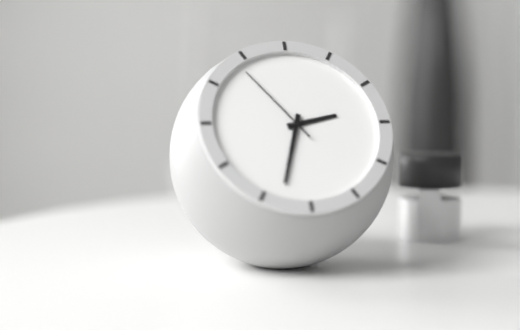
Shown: 2:33:54
